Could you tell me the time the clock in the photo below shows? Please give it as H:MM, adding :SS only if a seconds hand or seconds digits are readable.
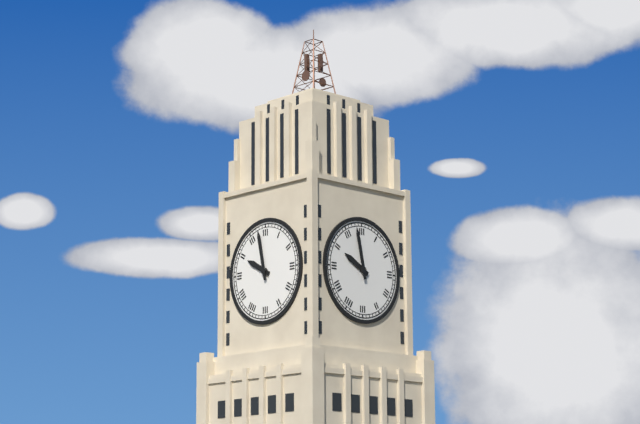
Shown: 9:58
